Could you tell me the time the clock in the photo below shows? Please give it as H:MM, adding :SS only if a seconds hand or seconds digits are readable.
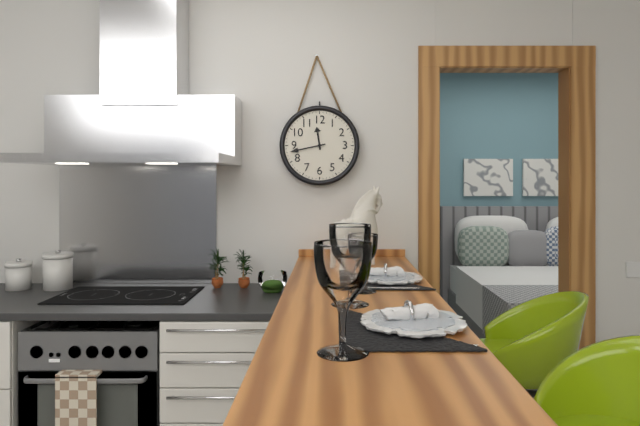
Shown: 11:43
